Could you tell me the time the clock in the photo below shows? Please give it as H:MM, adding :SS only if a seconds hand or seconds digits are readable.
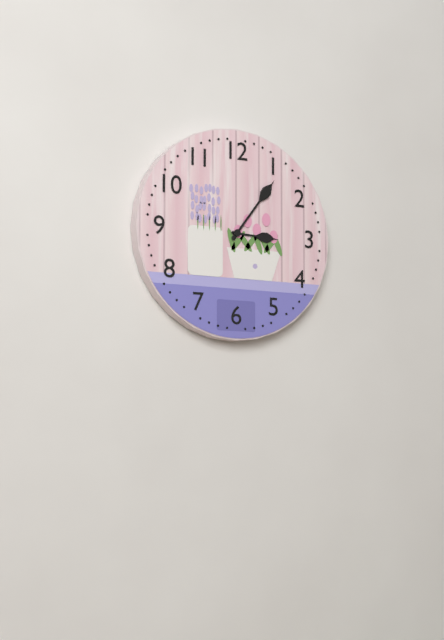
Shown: 3:06
